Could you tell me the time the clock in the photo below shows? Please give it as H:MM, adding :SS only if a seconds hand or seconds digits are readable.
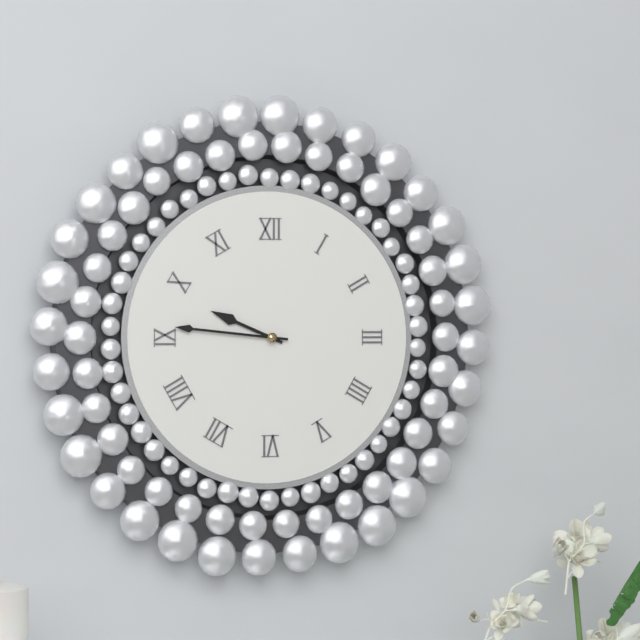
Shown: 9:46
